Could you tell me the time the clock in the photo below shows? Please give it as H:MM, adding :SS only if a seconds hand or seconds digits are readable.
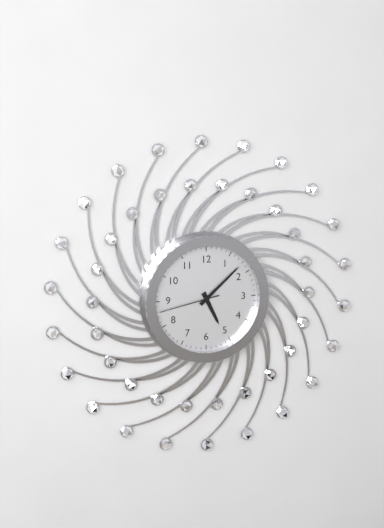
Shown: 5:08:43
